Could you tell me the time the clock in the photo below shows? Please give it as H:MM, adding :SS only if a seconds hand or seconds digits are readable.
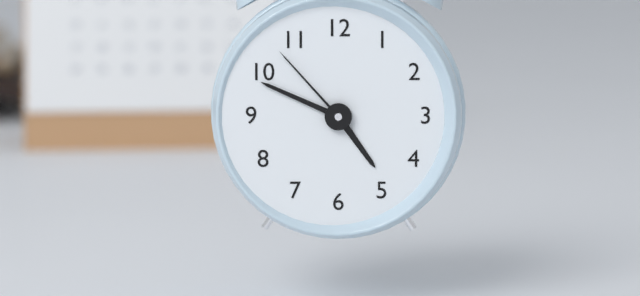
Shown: 4:49:53
